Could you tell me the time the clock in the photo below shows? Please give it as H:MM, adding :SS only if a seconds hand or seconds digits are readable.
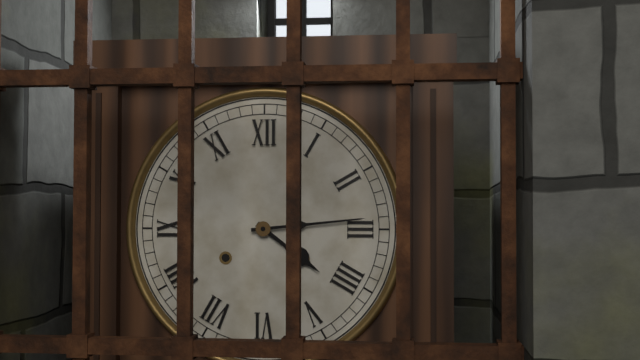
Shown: 4:14
